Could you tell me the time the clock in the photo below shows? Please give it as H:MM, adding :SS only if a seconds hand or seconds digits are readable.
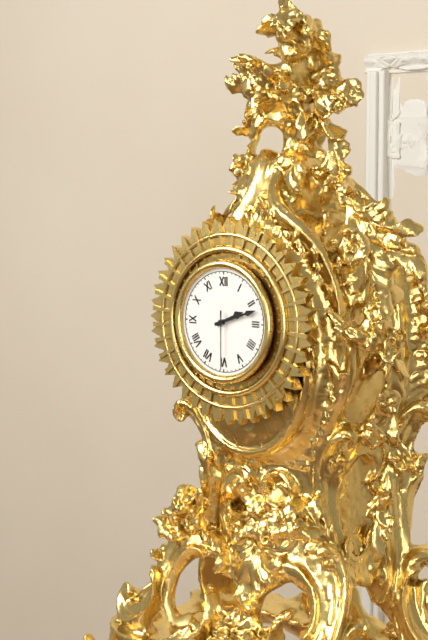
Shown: 2:12:30
